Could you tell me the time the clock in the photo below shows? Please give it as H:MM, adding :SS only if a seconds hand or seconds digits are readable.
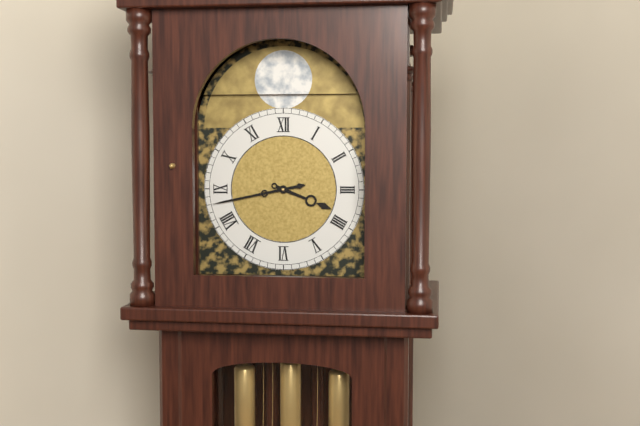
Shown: 3:43
